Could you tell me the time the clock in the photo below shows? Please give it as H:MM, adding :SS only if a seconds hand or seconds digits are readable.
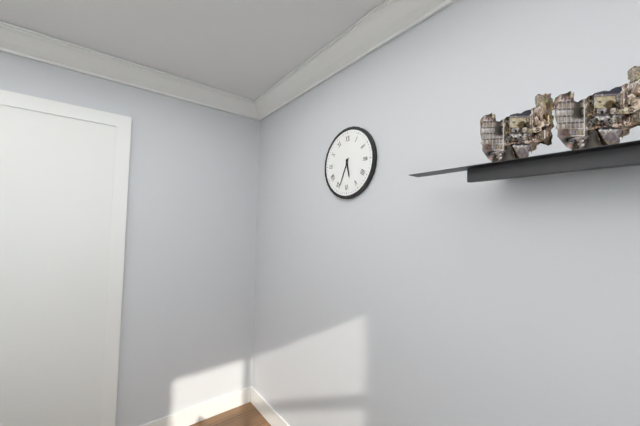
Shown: 5:34
